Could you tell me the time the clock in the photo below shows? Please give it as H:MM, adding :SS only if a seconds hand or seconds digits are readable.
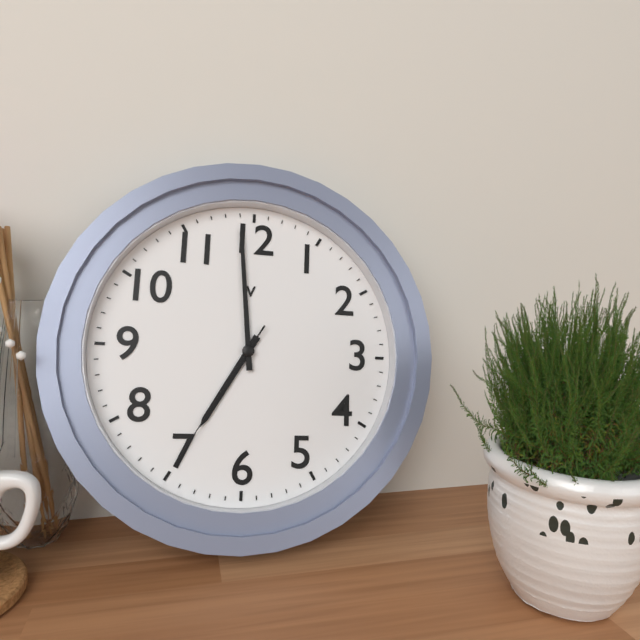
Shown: 6:59:35
